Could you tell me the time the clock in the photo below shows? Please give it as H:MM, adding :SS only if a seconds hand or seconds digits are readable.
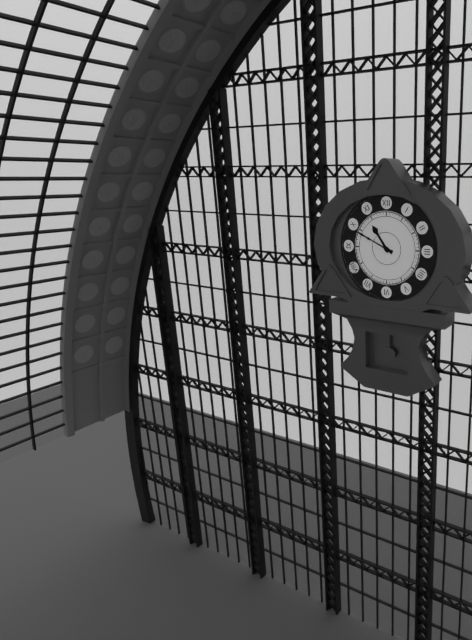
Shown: 10:49
